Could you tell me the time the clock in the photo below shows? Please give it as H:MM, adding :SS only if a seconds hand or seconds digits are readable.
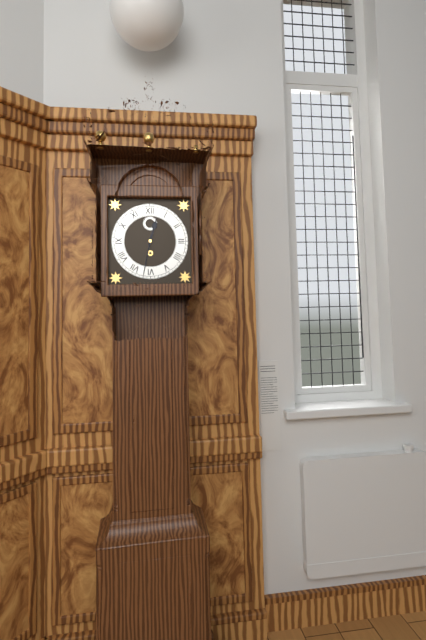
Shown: 12:32
